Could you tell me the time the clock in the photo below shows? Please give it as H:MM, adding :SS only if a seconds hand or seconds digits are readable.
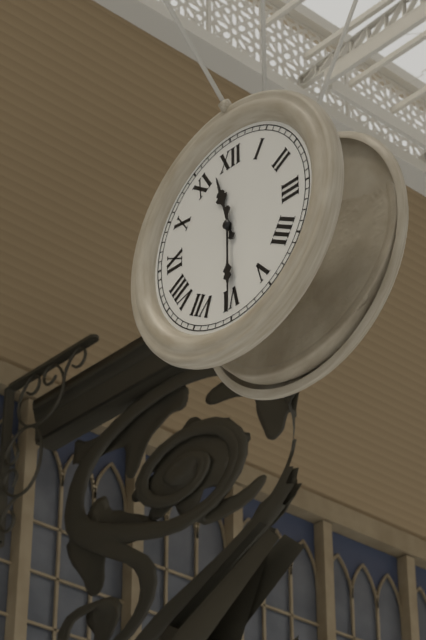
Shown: 11:30
